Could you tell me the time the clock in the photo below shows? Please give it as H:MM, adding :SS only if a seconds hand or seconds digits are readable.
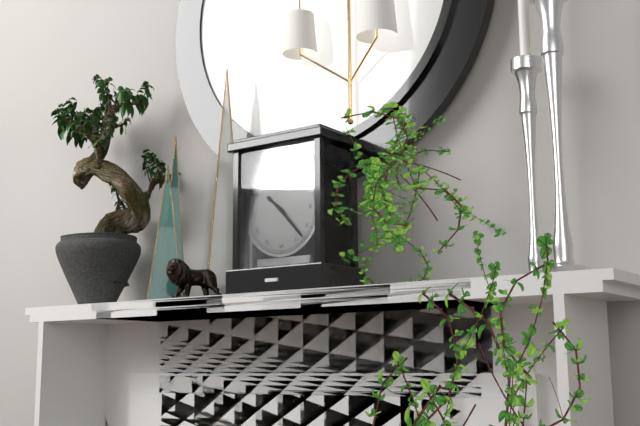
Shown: 10:23
